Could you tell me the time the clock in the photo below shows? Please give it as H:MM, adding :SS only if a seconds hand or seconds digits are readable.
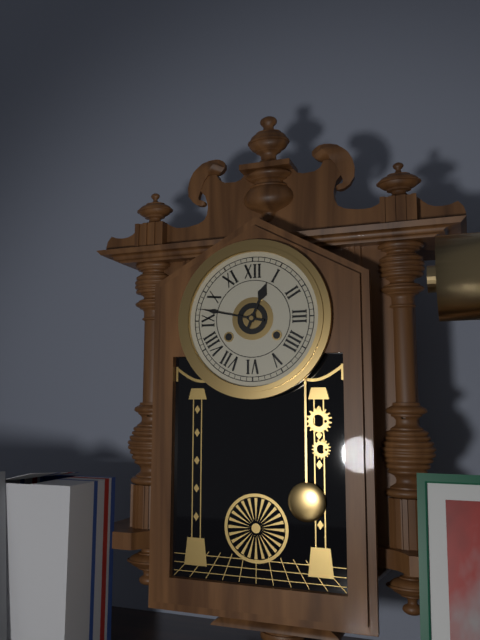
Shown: 12:47
